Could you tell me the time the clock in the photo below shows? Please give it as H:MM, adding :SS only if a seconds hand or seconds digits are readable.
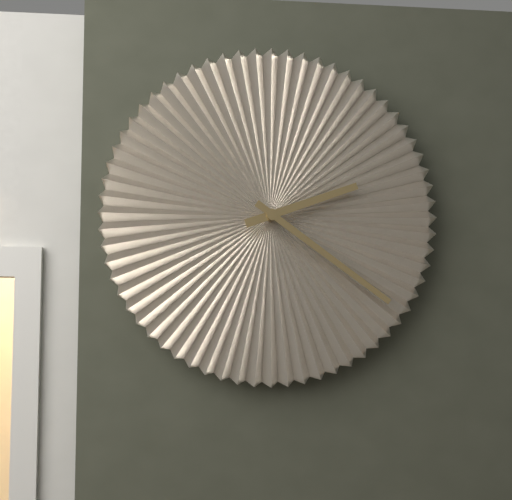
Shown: 2:21
